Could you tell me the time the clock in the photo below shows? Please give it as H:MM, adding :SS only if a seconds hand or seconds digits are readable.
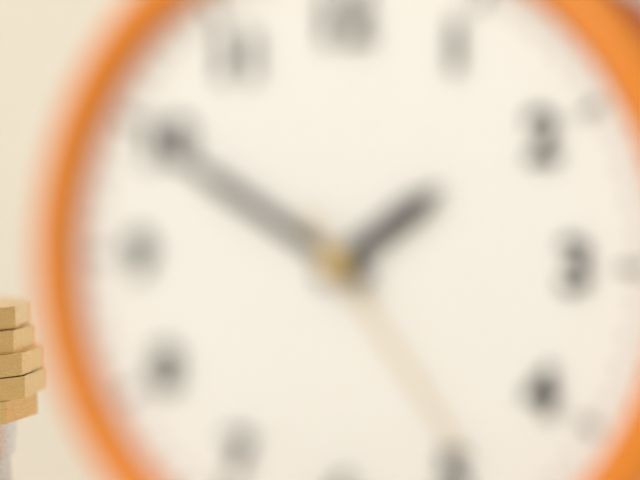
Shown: 1:50:24
